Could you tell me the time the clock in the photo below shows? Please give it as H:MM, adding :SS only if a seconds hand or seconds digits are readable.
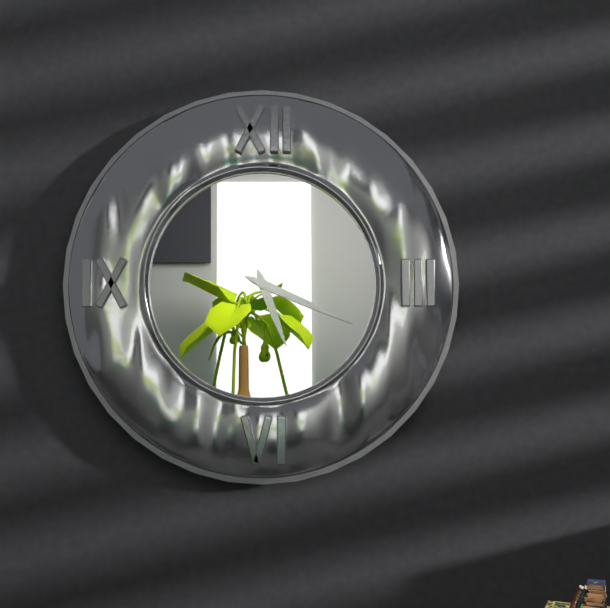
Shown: 5:19
